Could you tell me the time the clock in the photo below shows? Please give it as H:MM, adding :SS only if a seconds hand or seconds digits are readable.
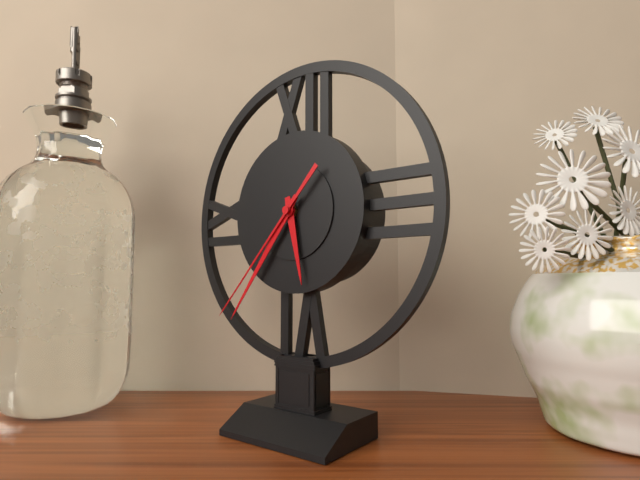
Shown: 5:36:37
